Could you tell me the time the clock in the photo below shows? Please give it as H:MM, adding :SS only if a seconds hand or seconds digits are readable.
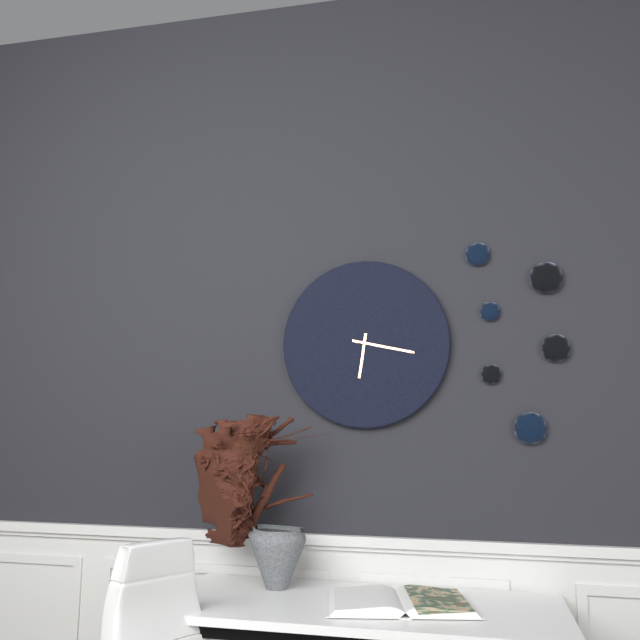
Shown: 6:17
